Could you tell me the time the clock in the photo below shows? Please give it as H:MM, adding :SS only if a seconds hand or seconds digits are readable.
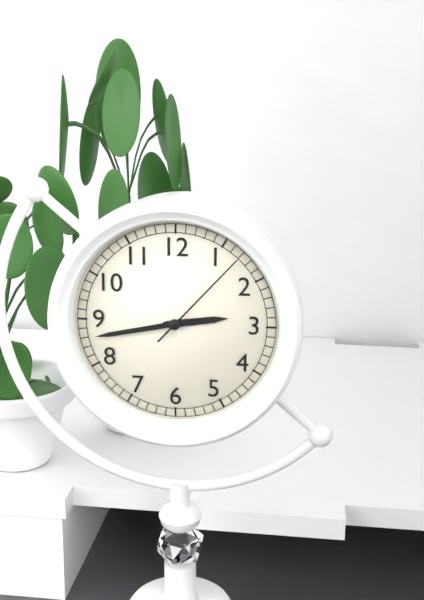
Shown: 2:43:07
